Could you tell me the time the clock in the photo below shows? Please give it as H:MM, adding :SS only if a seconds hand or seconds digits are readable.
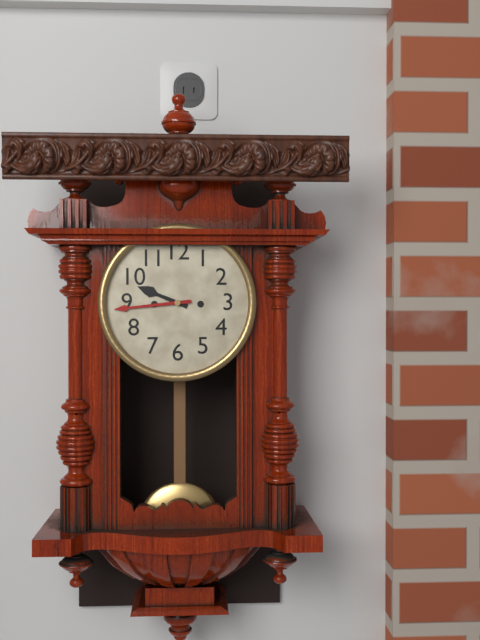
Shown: 9:44
